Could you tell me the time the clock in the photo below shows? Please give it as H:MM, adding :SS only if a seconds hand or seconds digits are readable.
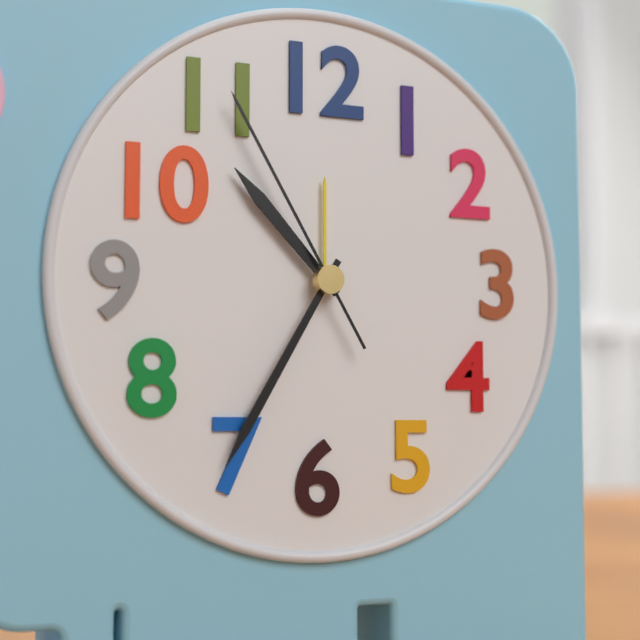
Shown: 10:35:55
